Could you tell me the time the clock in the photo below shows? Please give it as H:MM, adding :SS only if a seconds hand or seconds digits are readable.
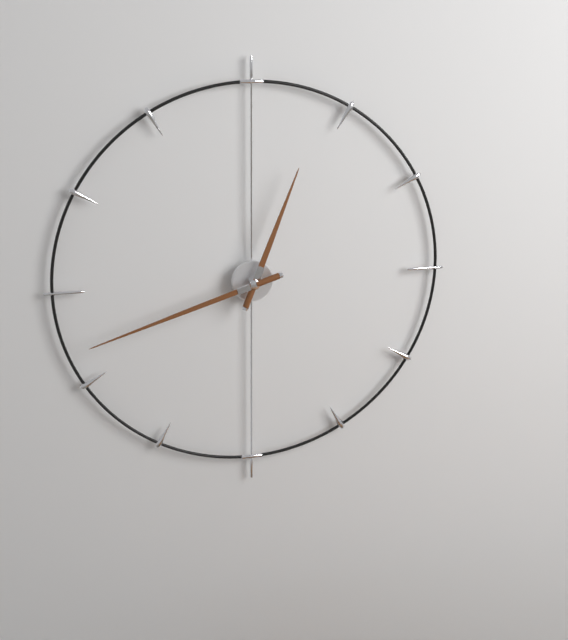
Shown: 12:42
